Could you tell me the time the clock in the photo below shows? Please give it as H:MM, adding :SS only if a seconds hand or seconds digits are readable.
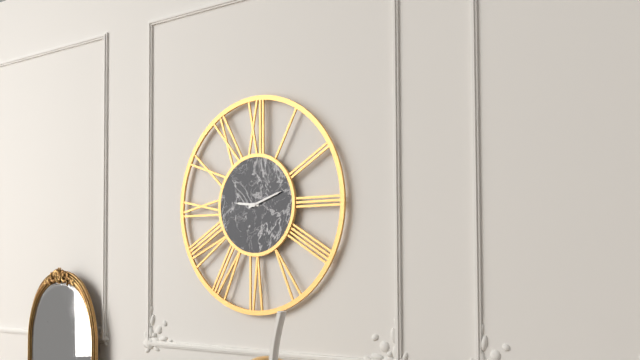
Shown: 9:12
